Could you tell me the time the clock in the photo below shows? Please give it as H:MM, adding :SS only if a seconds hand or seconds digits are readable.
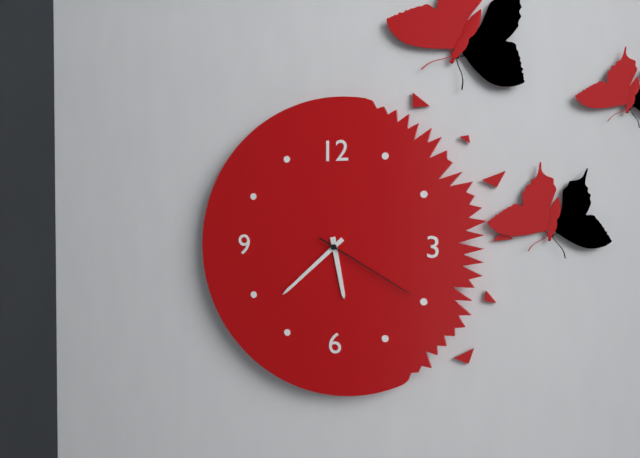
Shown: 5:38:20
